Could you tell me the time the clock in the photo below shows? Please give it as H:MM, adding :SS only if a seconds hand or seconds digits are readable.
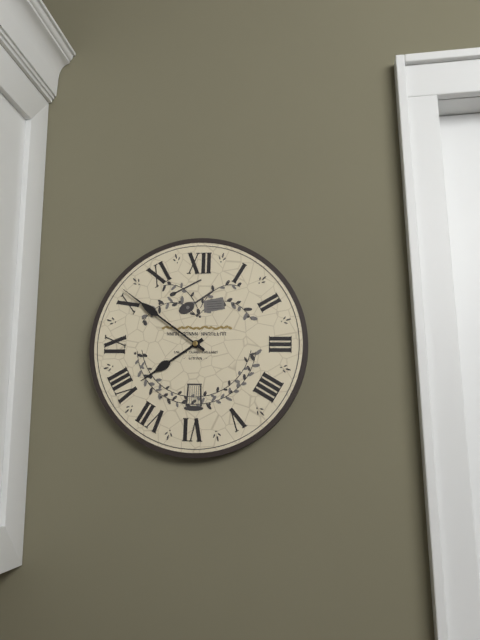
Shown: 7:51
